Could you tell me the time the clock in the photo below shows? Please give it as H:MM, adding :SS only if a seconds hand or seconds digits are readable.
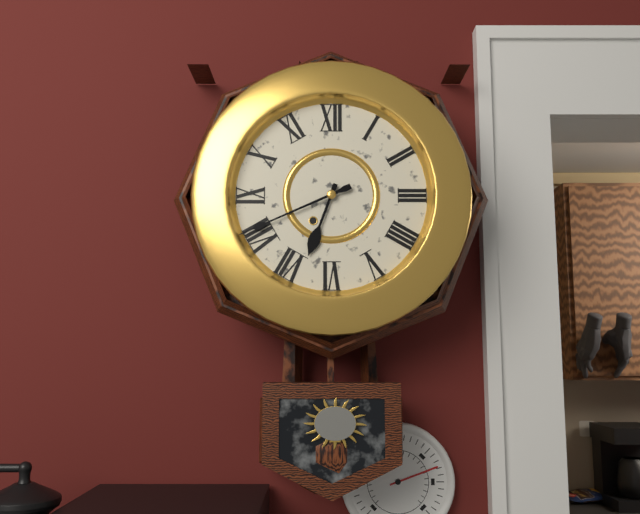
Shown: 6:41
